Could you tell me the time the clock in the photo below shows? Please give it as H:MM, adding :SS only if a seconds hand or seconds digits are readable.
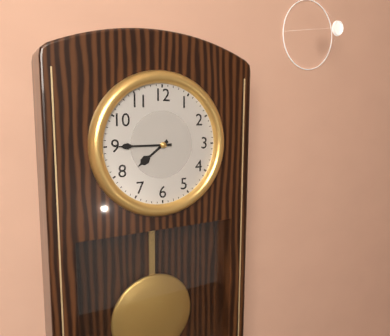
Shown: 7:45
